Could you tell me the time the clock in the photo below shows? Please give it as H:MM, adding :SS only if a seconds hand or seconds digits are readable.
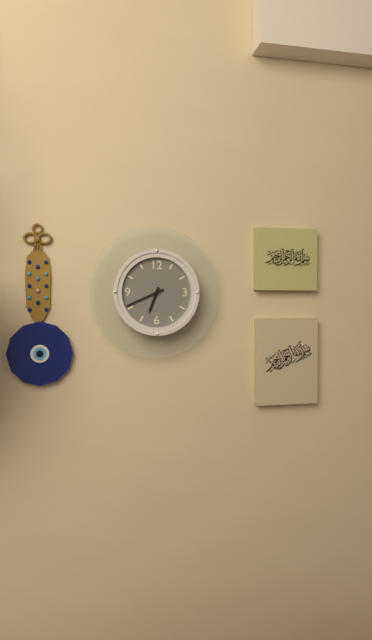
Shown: 6:41
